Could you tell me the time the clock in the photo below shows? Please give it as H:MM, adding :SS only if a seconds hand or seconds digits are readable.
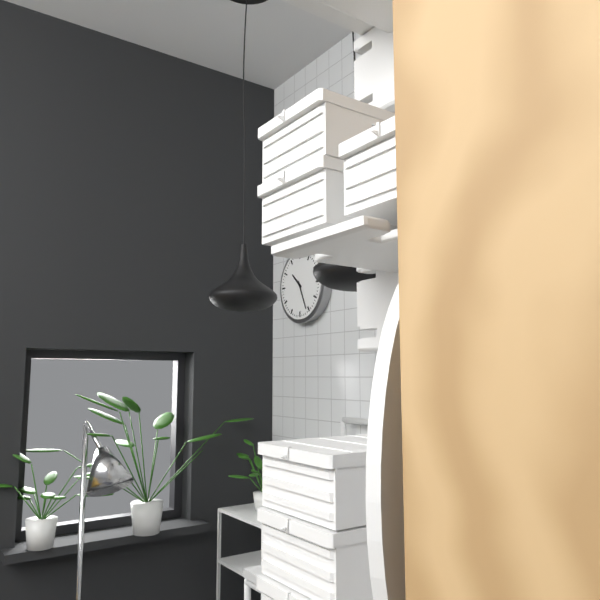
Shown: 10:26
